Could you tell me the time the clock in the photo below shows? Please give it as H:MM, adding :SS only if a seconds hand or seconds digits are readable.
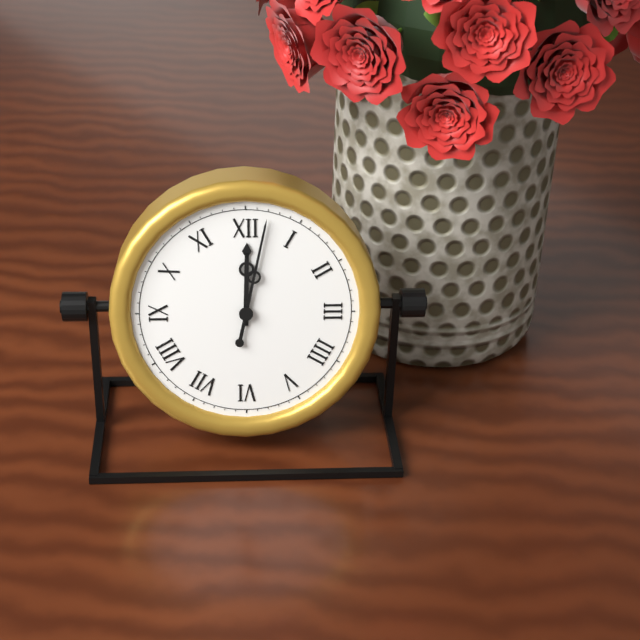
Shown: 12:02
